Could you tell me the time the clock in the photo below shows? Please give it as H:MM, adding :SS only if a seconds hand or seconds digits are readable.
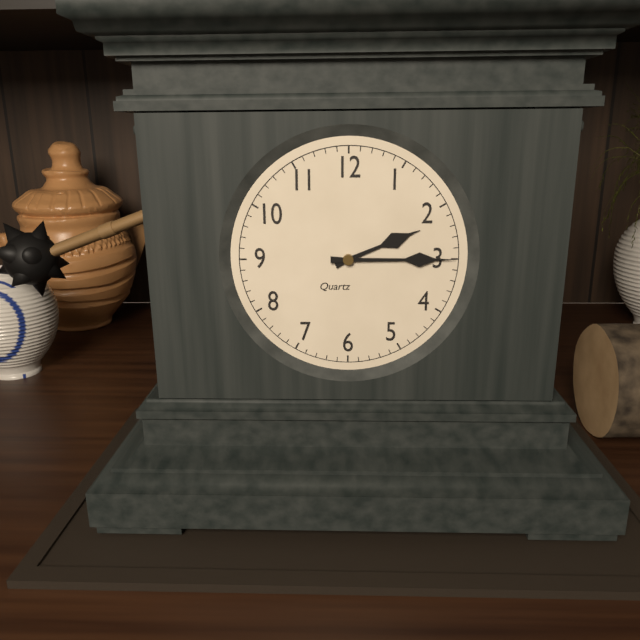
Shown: 2:15
